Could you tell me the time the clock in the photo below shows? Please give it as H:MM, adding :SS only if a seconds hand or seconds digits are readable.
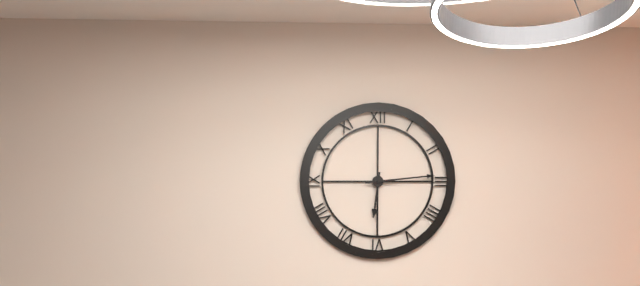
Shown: 6:14
